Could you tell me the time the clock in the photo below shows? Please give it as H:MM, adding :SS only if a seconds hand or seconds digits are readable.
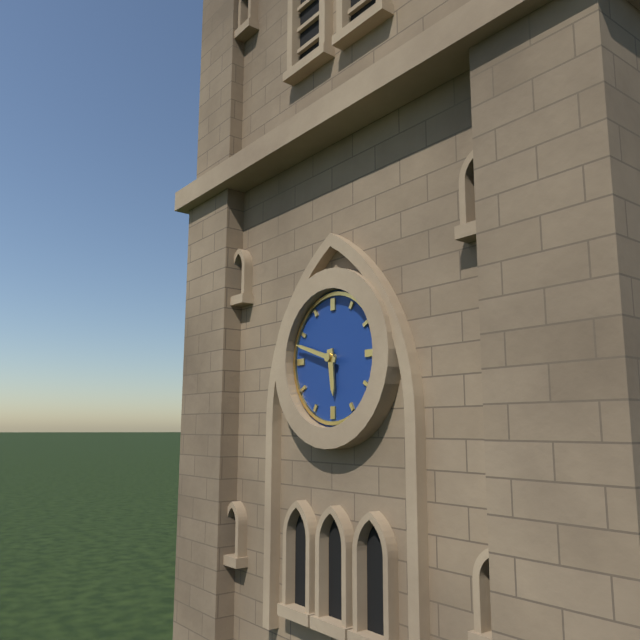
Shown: 5:48
